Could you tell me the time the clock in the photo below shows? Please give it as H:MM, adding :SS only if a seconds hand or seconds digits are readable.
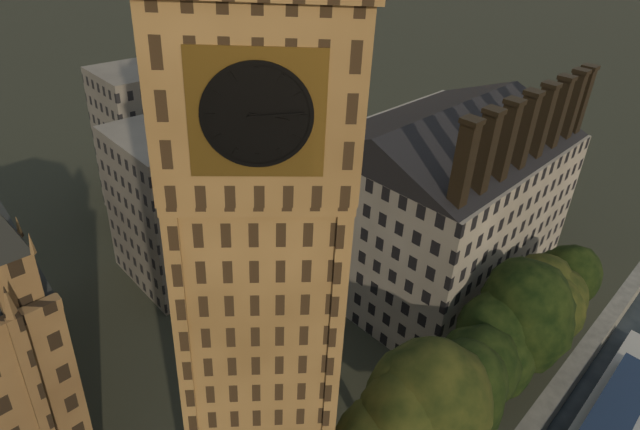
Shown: 3:14
